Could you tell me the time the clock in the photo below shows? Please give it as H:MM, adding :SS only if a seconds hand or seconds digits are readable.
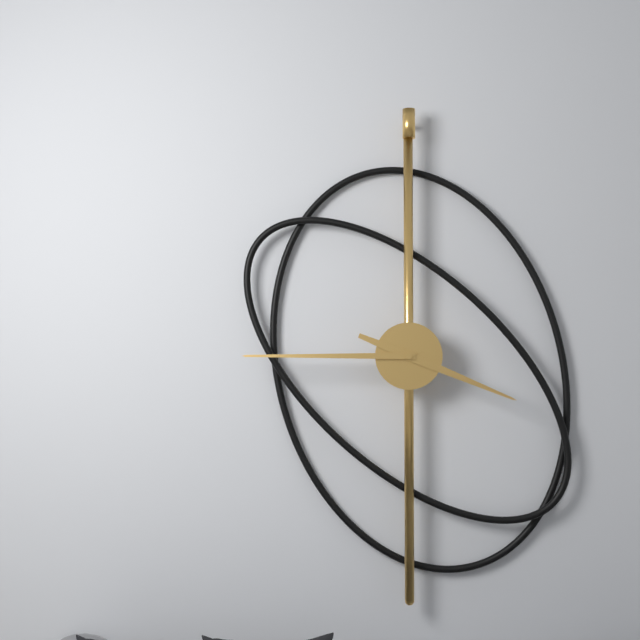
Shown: 3:45
